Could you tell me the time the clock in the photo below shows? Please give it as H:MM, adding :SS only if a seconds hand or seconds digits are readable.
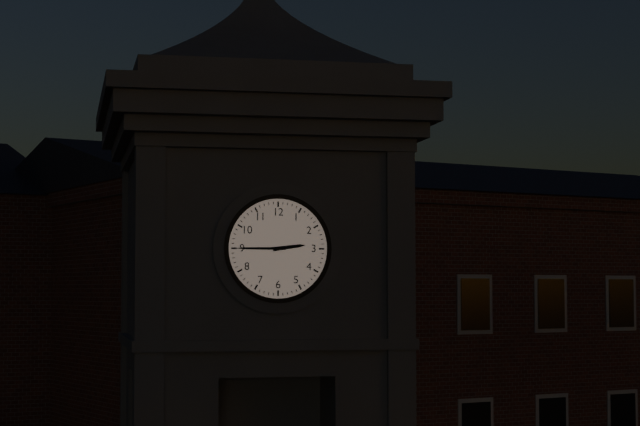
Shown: 2:45
